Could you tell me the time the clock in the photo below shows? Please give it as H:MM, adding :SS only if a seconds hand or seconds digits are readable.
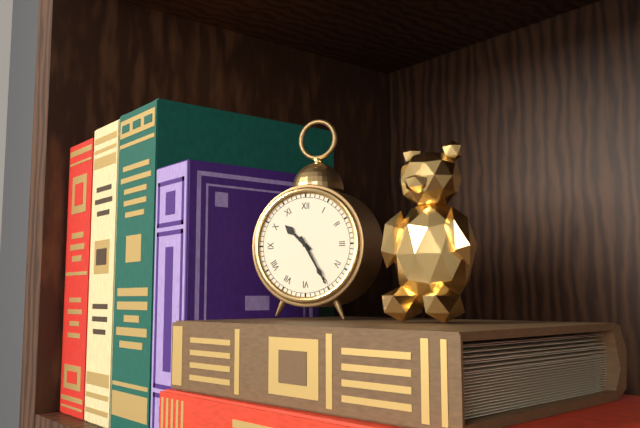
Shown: 10:25
